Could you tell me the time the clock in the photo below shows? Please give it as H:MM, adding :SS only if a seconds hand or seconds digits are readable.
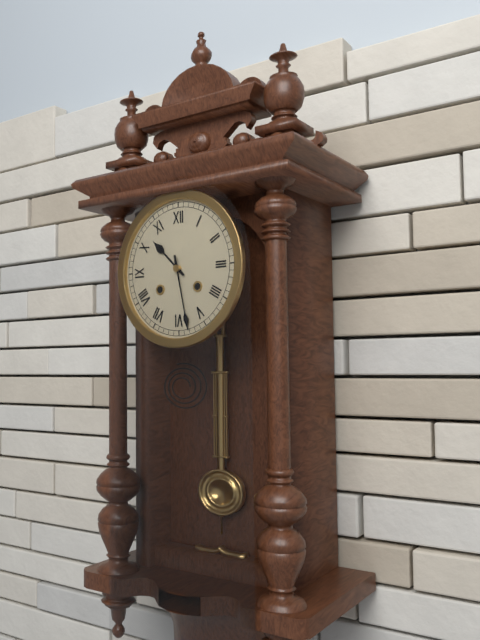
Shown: 10:28
